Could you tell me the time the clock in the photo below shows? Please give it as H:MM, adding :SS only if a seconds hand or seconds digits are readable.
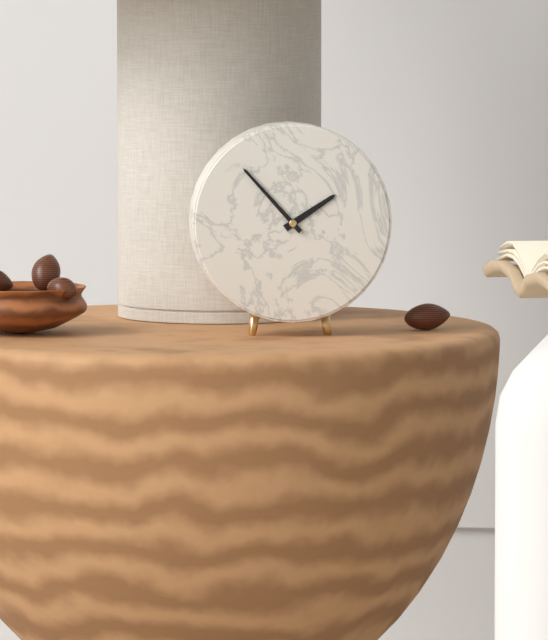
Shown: 1:53
